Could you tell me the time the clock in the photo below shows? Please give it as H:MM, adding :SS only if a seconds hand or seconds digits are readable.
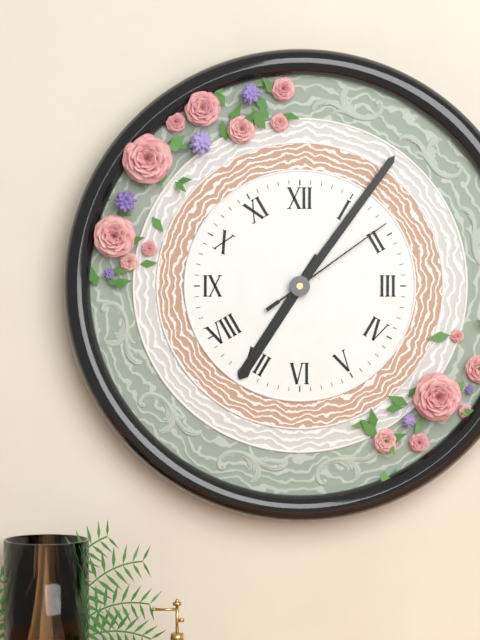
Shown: 7:06:09
